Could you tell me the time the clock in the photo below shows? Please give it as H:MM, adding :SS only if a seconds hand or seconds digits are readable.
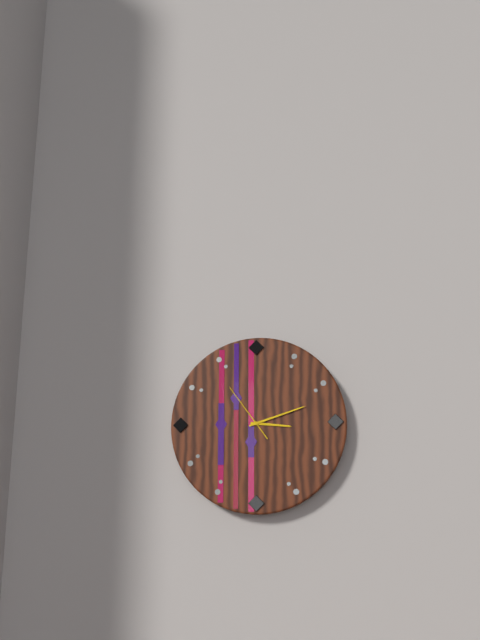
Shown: 3:12:54
